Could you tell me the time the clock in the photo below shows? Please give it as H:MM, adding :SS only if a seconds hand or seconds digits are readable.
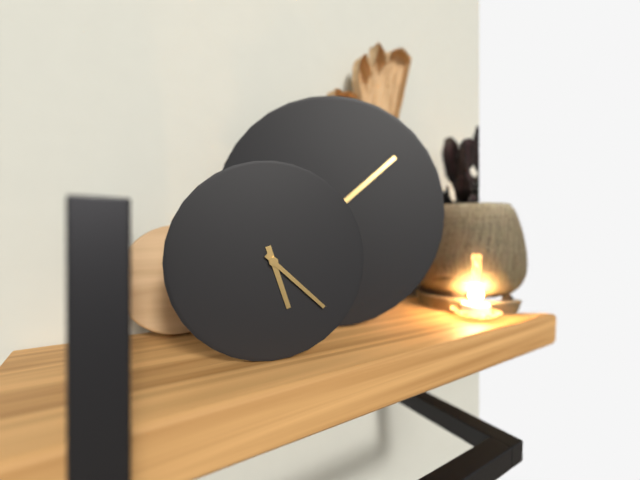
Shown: 5:22
